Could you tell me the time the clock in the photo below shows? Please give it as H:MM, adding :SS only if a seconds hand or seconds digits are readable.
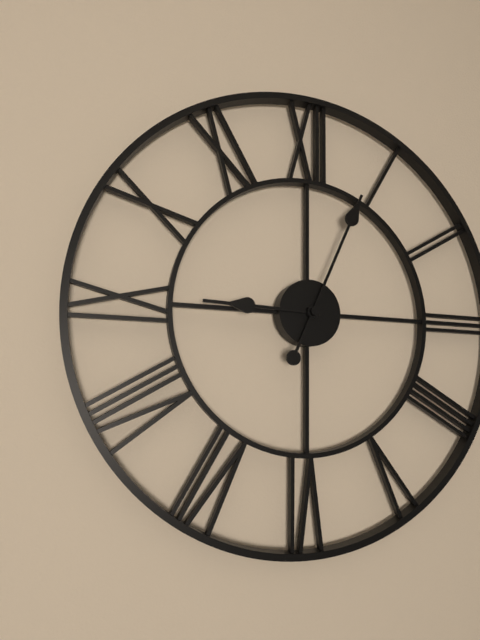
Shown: 9:04
